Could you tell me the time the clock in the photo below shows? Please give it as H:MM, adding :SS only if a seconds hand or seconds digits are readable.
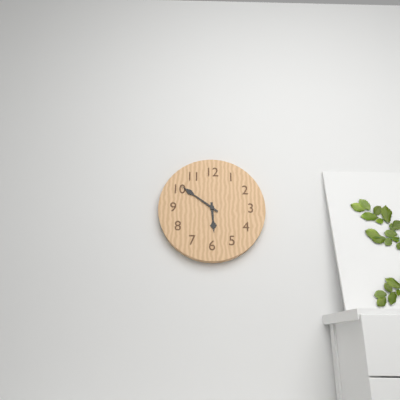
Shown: 5:51
